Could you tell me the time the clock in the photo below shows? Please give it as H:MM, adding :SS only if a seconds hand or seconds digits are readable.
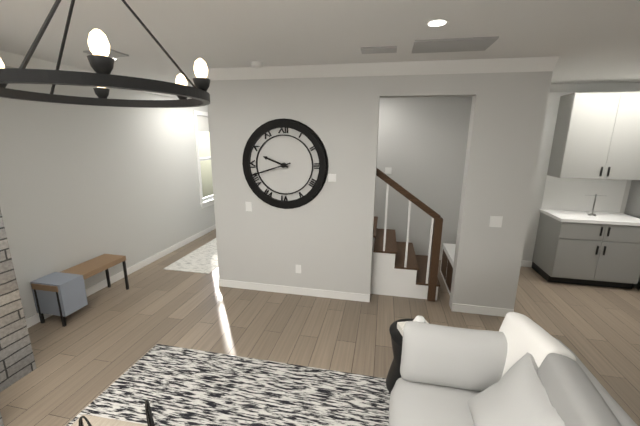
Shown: 9:42
